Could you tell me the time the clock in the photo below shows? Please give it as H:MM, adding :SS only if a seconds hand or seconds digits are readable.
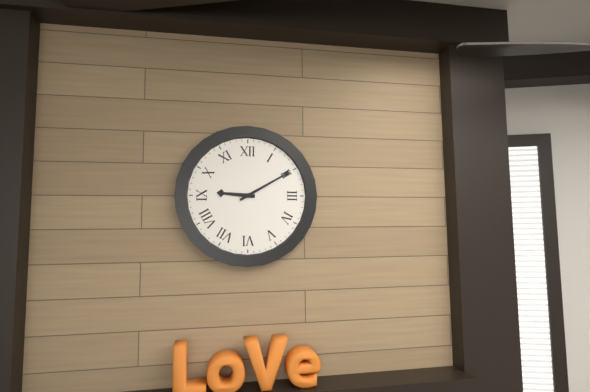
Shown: 9:10
